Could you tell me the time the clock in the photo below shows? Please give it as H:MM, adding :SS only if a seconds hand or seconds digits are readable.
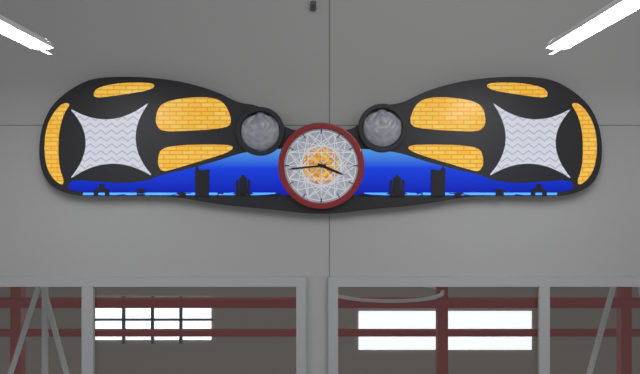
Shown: 3:44
